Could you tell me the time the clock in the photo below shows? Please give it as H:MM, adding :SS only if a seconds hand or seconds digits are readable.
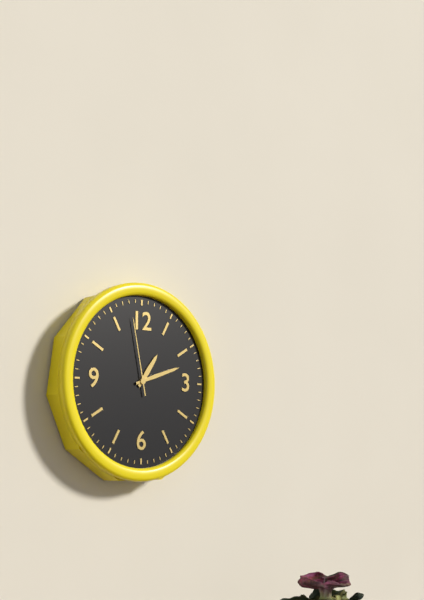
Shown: 1:12:58
